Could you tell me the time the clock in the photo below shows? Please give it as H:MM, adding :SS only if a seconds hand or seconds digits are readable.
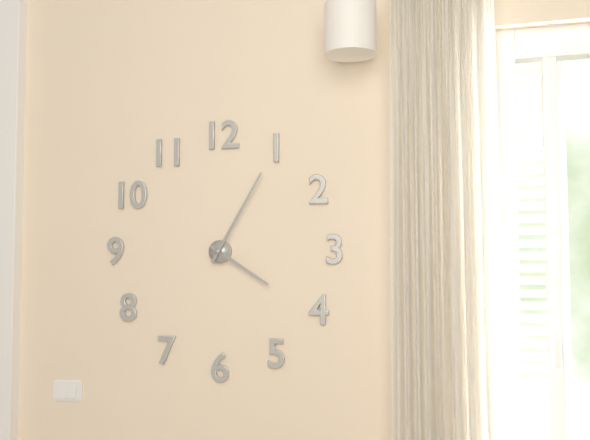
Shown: 4:05
